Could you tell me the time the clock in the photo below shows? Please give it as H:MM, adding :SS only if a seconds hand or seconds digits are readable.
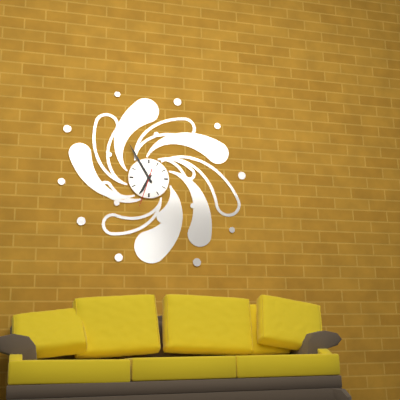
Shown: 6:55
